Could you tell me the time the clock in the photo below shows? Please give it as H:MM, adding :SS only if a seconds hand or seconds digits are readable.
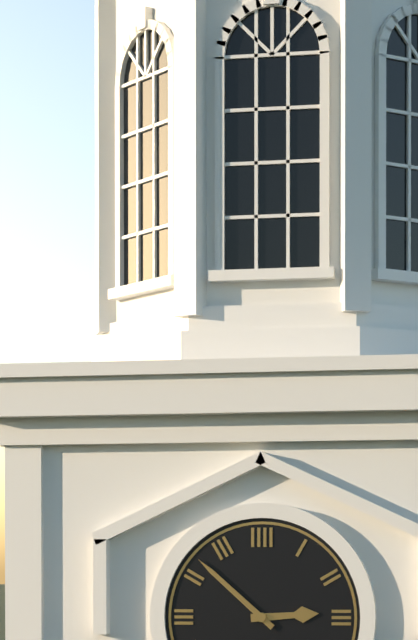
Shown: 2:52
